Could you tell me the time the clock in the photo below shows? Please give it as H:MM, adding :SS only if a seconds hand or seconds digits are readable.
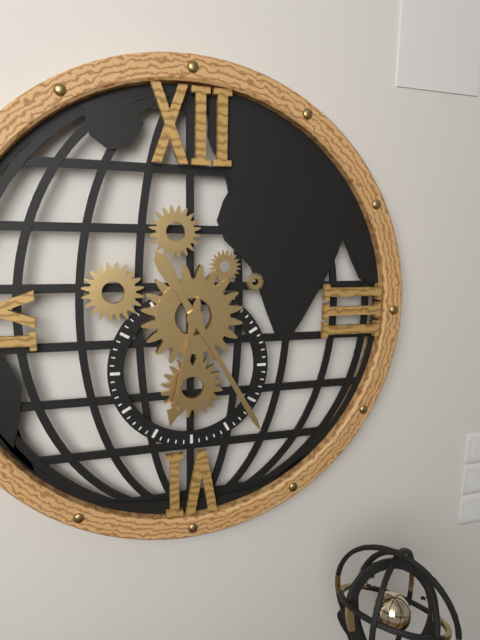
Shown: 6:25
